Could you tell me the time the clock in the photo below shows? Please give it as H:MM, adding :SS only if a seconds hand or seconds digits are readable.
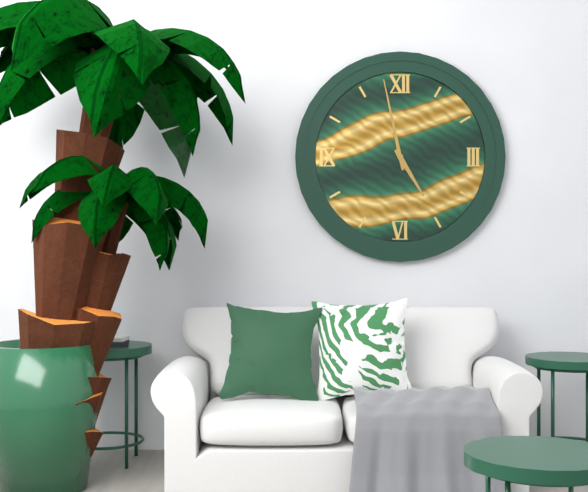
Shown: 4:58
